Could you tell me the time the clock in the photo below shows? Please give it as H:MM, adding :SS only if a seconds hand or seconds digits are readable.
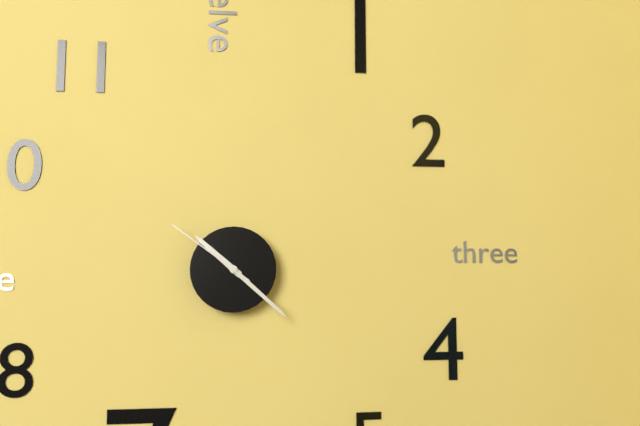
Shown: 10:22:51
